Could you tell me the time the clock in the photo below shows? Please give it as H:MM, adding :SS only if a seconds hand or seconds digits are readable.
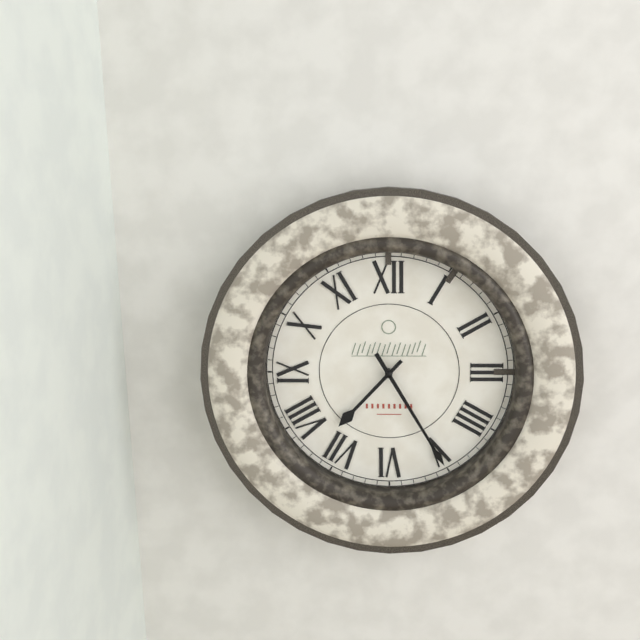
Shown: 7:25
